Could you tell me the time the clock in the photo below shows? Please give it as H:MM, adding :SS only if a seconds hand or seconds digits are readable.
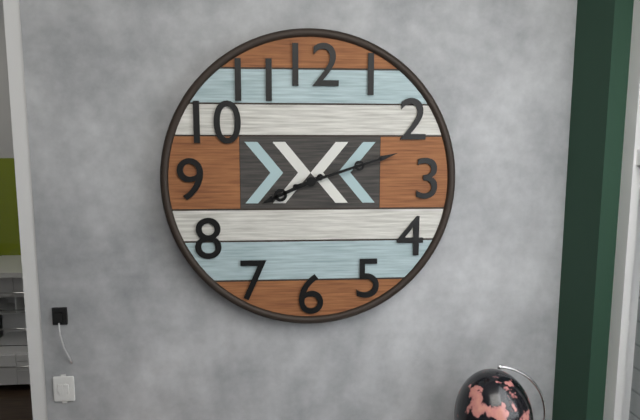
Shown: 8:12
